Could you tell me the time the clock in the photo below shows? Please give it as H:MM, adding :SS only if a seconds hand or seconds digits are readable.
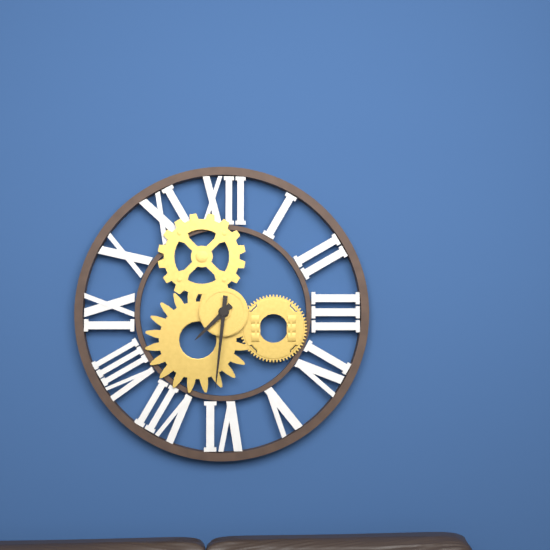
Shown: 7:31
